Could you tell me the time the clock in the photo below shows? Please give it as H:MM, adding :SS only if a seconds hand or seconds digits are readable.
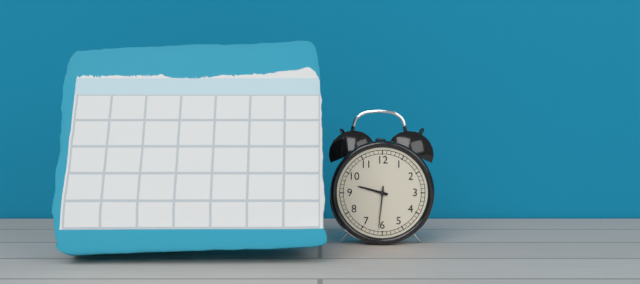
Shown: 9:31
